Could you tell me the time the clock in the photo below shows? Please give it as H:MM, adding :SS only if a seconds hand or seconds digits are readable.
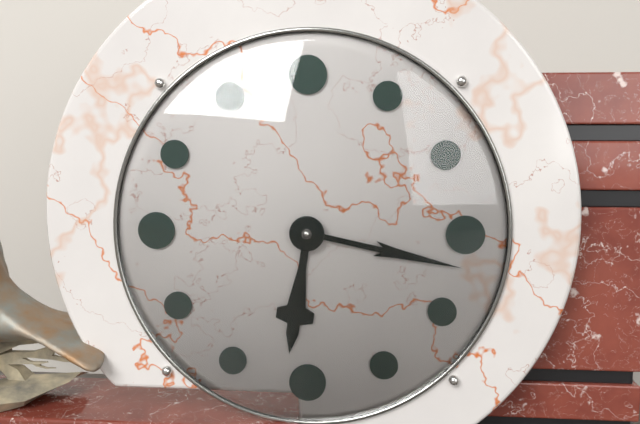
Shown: 6:17
